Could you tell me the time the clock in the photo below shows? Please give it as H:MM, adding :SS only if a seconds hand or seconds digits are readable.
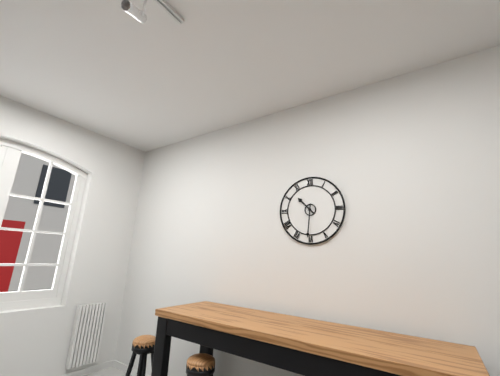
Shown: 10:31
